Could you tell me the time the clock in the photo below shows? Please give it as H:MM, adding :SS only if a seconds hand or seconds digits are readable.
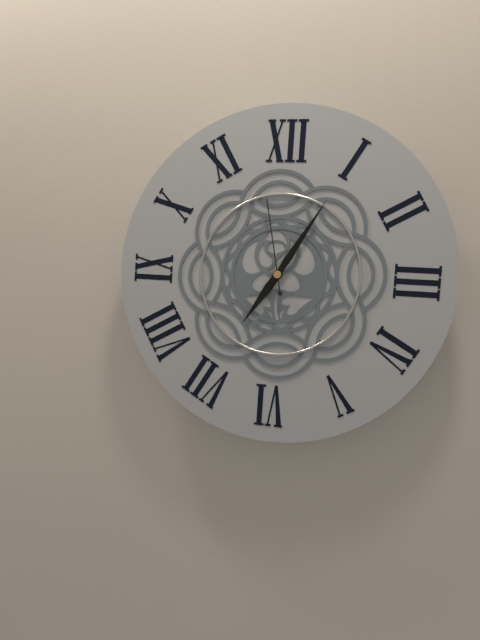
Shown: 7:05:58
